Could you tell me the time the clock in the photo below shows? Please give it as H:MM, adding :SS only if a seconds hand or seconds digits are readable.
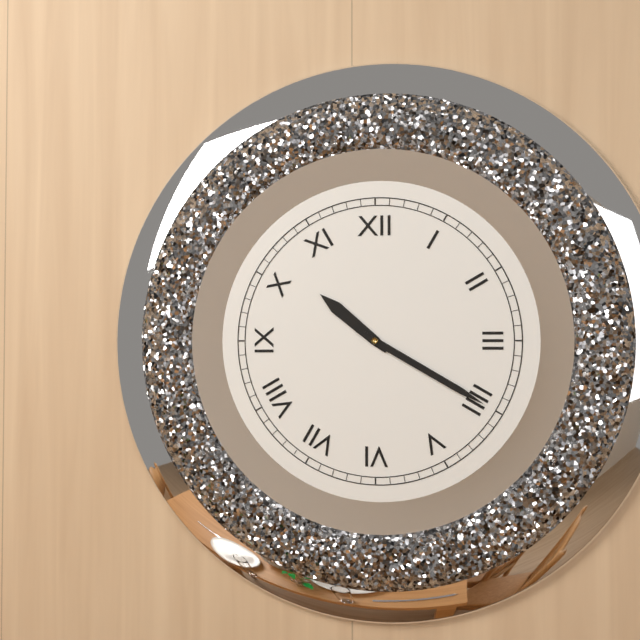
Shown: 10:20
